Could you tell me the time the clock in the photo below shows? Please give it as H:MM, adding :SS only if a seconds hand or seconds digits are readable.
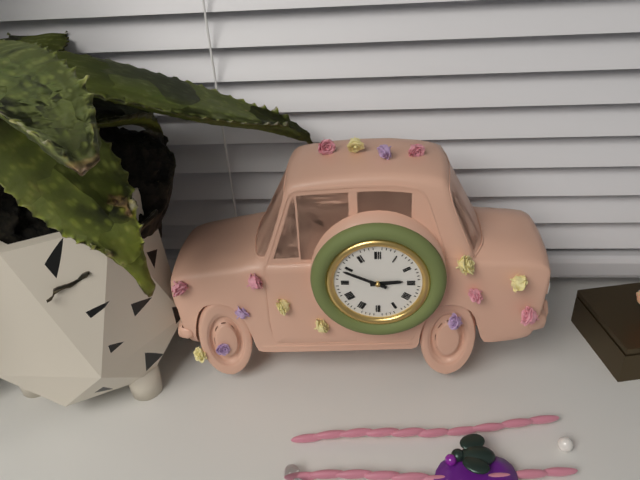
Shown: 2:49
